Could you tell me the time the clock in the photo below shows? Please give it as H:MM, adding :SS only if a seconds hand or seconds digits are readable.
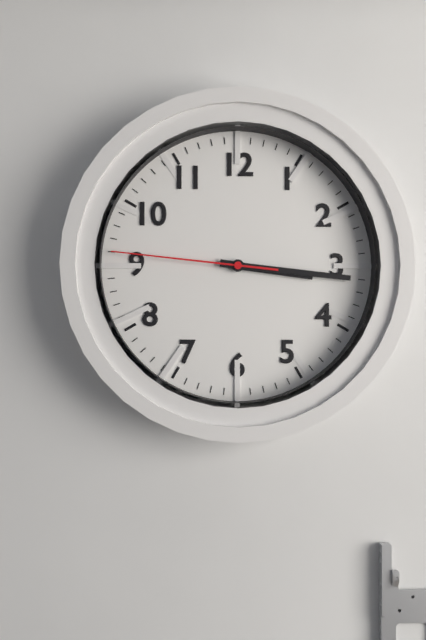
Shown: 3:16:46
